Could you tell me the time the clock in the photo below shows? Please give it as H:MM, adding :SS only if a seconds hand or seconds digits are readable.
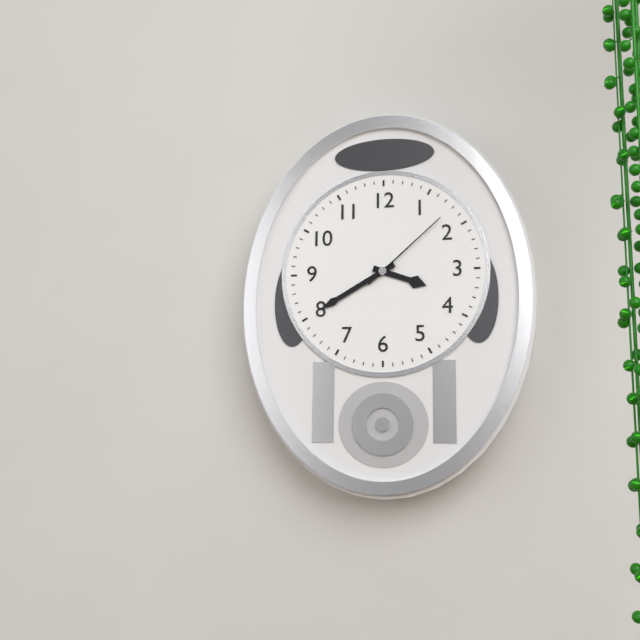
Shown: 3:40:08
